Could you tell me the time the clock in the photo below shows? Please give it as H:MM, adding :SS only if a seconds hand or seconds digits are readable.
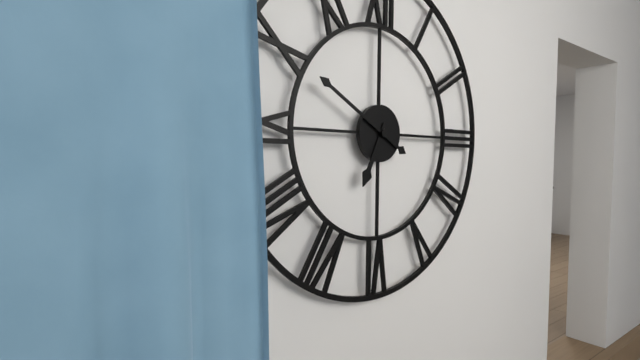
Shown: 6:50
